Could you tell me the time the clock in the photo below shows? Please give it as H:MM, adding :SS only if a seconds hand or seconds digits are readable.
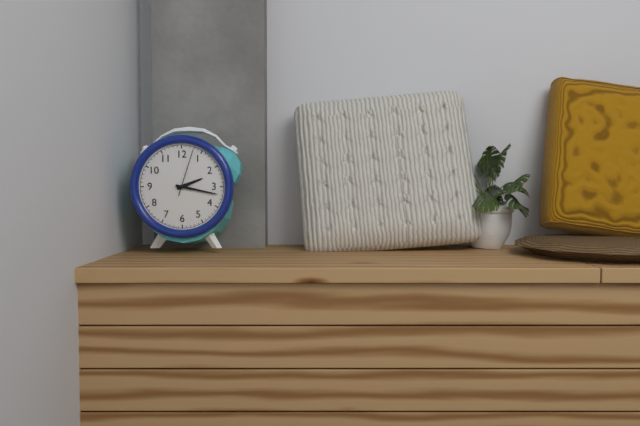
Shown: 2:17
